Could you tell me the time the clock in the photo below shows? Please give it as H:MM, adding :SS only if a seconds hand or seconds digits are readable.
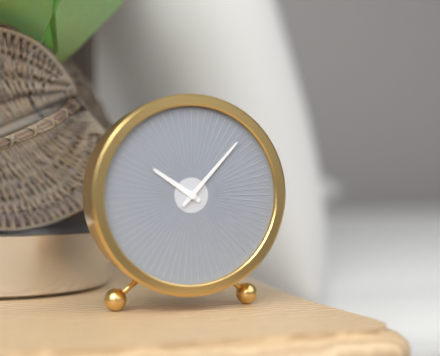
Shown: 10:07
